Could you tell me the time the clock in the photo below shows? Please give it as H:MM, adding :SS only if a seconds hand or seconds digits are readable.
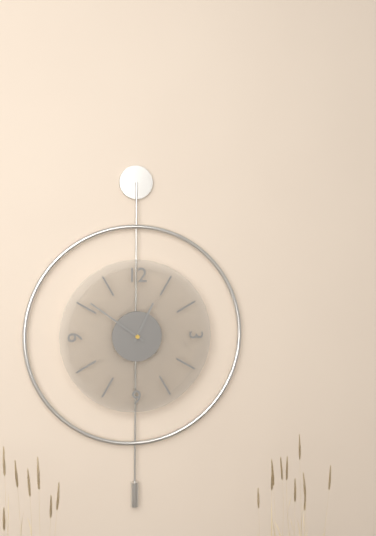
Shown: 12:51
